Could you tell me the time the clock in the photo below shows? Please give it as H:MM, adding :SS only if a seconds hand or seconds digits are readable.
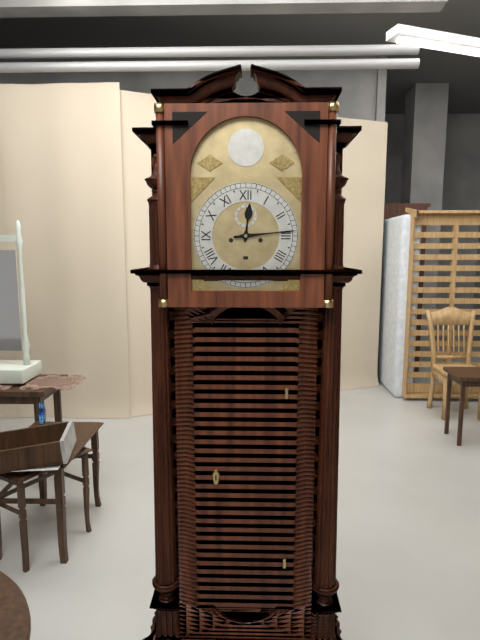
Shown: 12:14
